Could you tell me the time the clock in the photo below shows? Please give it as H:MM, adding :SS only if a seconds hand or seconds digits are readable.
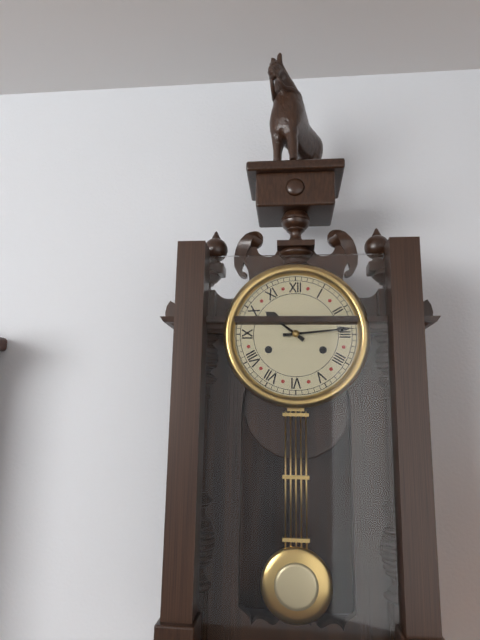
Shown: 10:14
